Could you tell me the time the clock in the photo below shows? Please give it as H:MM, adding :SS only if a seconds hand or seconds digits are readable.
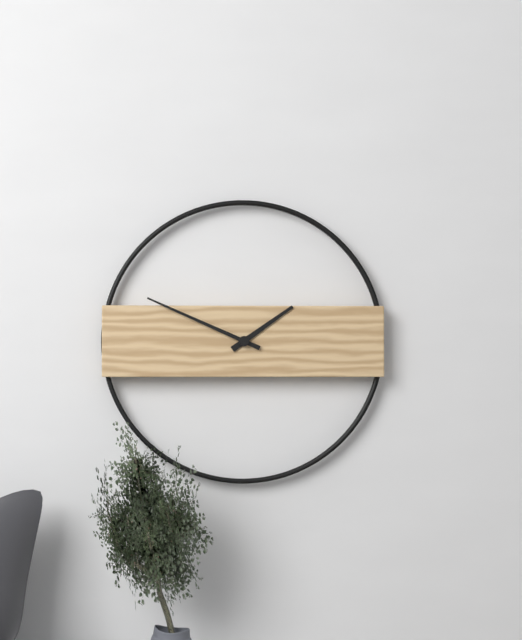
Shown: 1:49
